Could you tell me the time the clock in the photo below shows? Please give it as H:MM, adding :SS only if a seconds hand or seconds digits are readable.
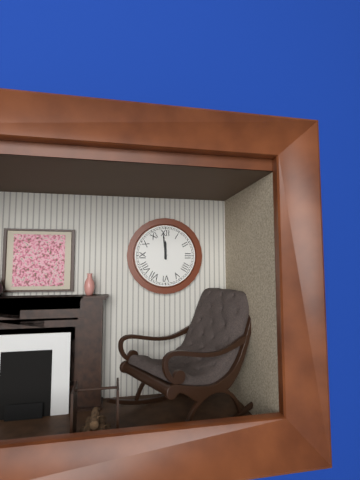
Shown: 11:59
